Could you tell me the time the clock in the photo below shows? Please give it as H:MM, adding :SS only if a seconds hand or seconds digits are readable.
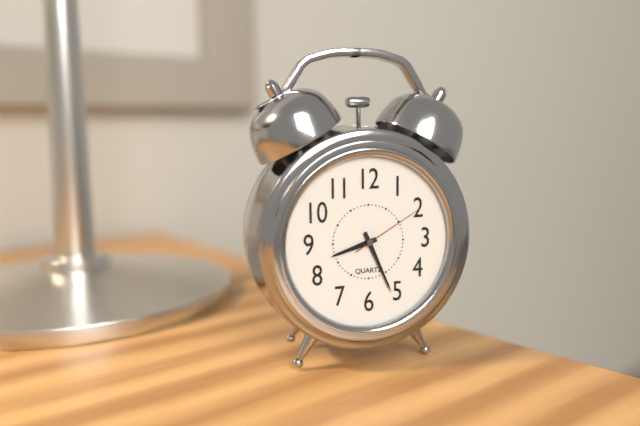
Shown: 8:26:10
